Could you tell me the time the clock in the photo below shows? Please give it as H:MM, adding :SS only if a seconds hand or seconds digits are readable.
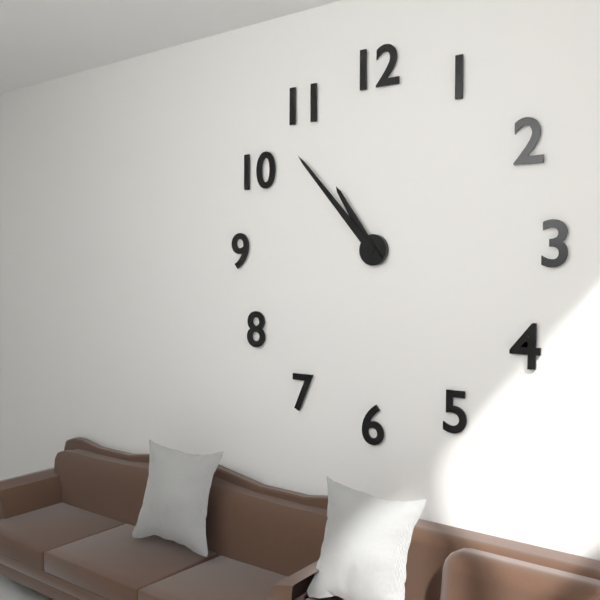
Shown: 10:53
